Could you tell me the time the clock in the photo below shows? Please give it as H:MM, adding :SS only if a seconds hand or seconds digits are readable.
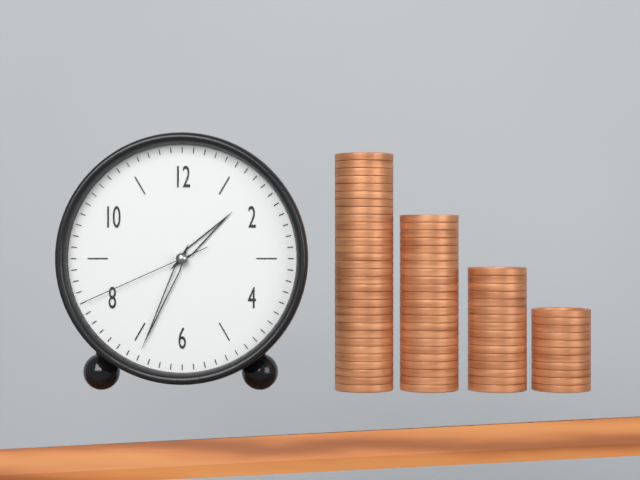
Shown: 1:34:41
